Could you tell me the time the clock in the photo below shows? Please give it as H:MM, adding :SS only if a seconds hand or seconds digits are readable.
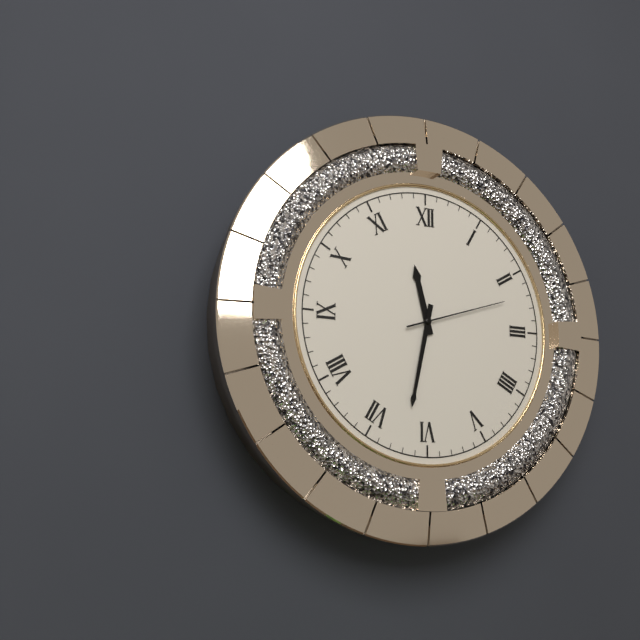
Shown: 11:32:12
